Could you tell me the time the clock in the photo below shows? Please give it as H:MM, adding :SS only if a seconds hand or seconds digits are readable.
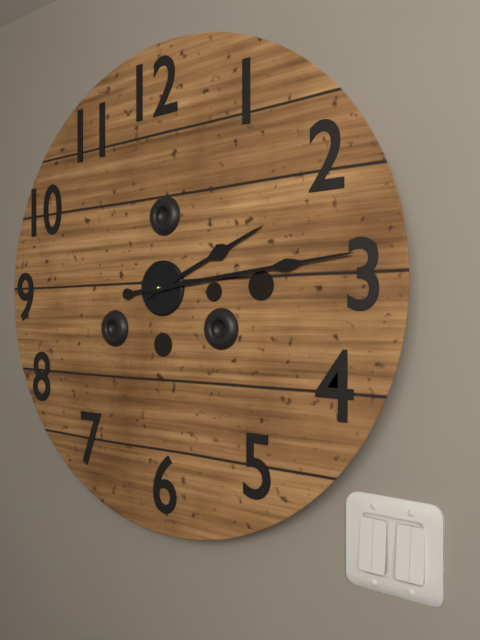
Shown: 2:14
